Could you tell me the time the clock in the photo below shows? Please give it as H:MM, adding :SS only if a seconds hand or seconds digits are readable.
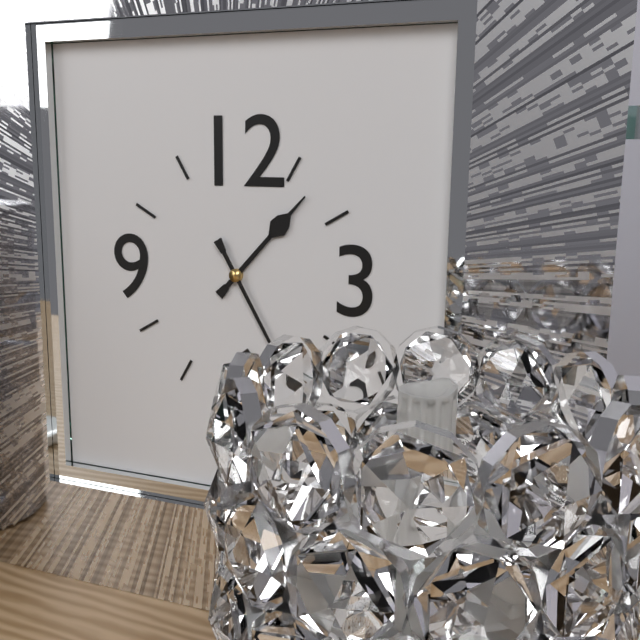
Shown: 1:25
